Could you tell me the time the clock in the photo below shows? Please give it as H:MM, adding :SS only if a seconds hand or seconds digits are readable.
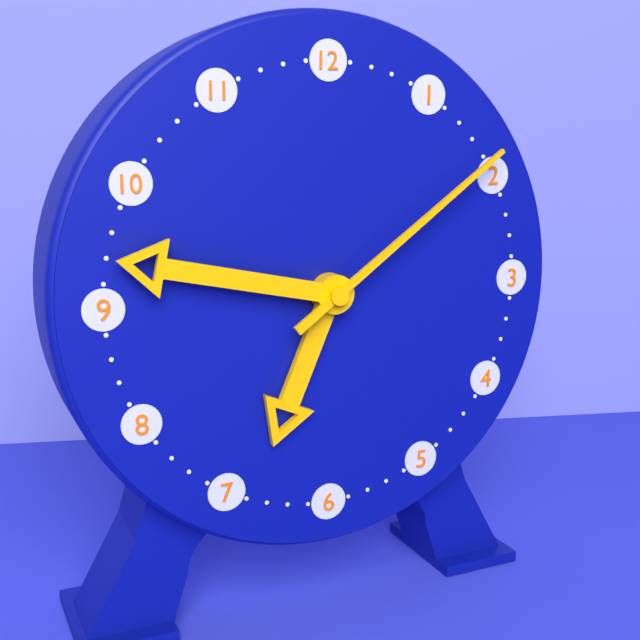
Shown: 6:47:09
